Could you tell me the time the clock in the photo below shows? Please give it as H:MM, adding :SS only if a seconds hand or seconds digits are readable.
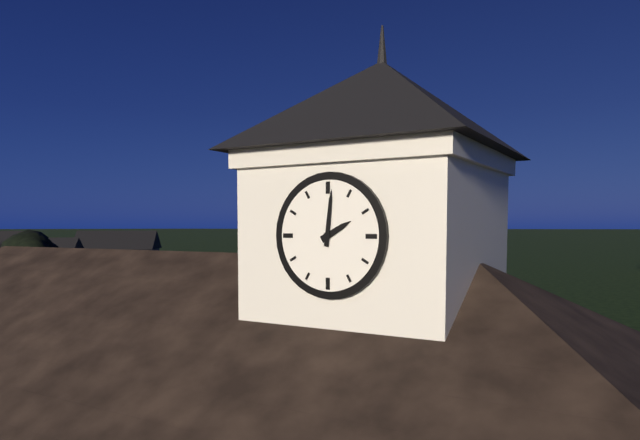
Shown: 2:01
